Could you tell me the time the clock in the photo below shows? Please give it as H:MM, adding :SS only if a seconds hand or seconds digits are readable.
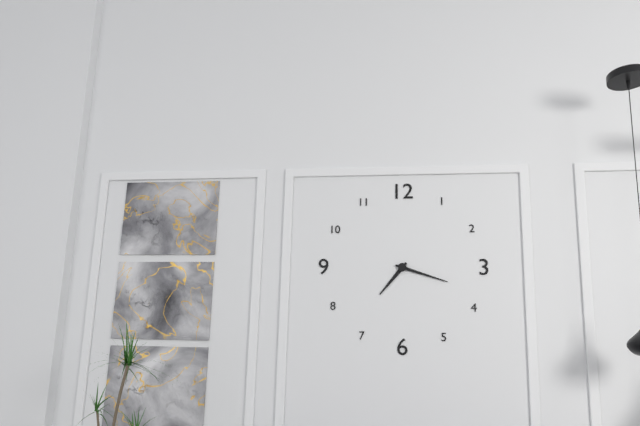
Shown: 7:18
